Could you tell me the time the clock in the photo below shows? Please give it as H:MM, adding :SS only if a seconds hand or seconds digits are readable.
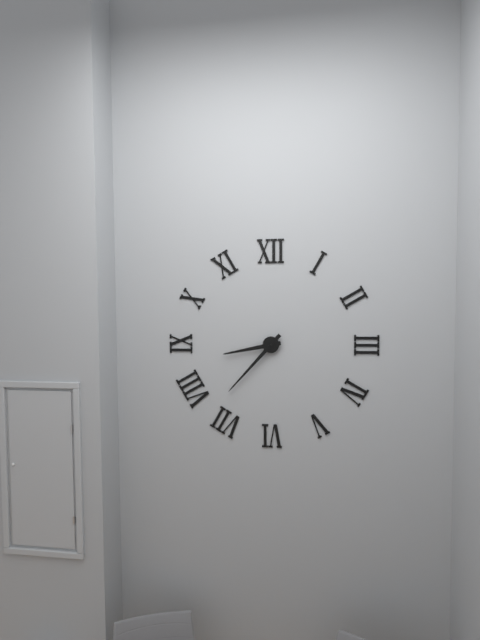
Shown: 8:37
